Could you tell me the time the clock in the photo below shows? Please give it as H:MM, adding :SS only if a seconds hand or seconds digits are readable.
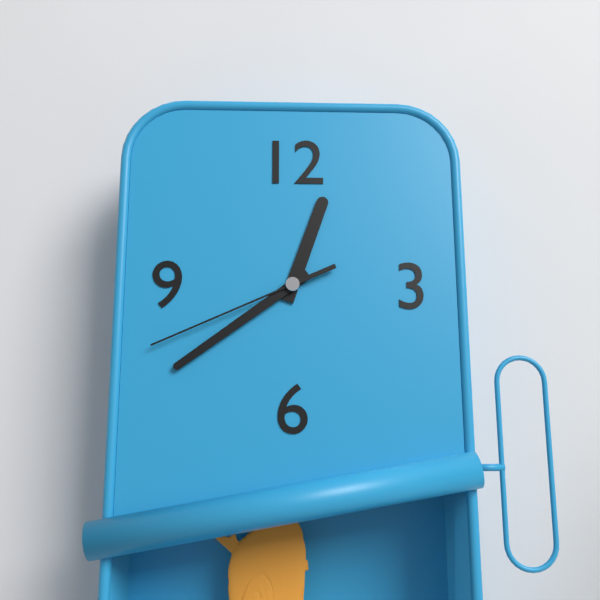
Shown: 12:39:41
